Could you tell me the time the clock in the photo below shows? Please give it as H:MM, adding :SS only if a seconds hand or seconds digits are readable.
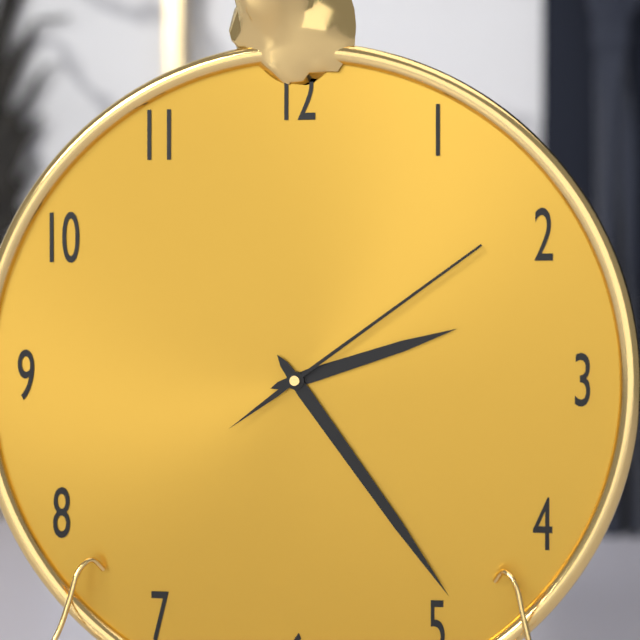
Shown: 2:24:09
